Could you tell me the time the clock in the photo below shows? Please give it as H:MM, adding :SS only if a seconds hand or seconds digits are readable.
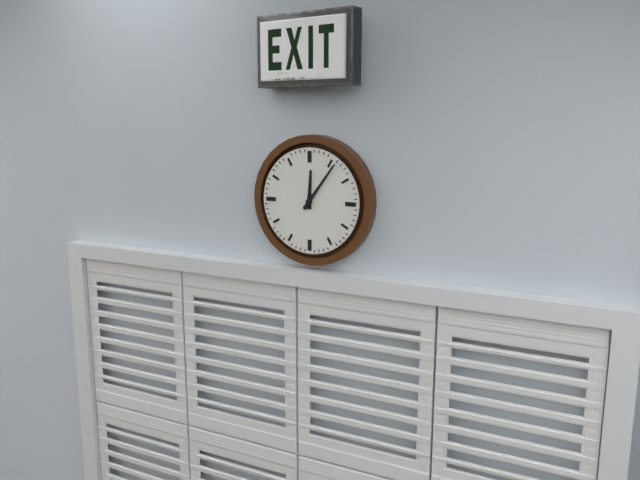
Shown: 12:06
